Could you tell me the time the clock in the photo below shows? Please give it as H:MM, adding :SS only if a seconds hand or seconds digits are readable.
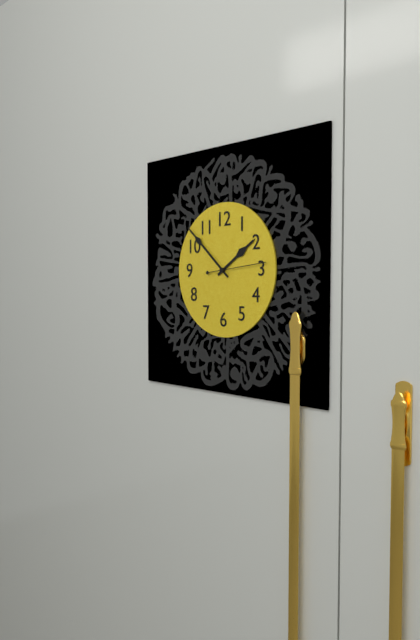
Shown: 1:52:14
